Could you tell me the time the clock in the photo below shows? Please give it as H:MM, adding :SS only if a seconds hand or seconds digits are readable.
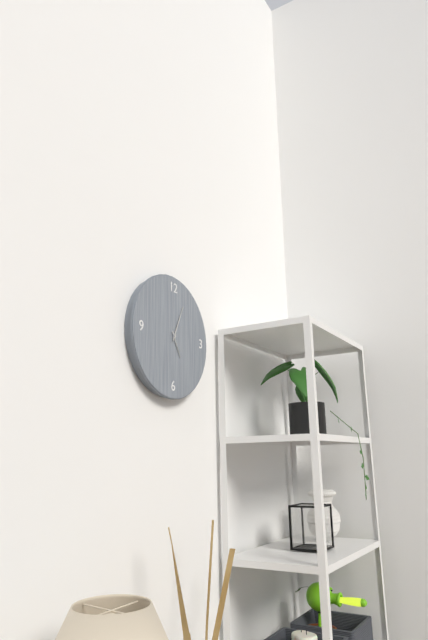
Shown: 5:04
